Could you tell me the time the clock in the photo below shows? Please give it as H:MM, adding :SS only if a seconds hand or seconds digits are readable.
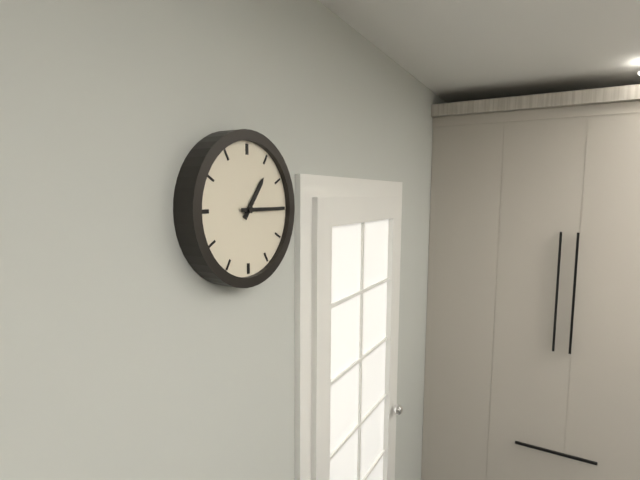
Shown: 1:15
